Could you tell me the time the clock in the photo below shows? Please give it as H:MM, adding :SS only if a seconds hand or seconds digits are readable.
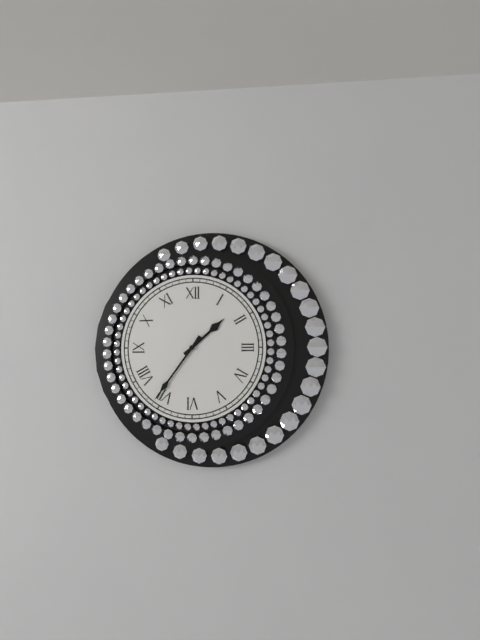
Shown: 1:36
